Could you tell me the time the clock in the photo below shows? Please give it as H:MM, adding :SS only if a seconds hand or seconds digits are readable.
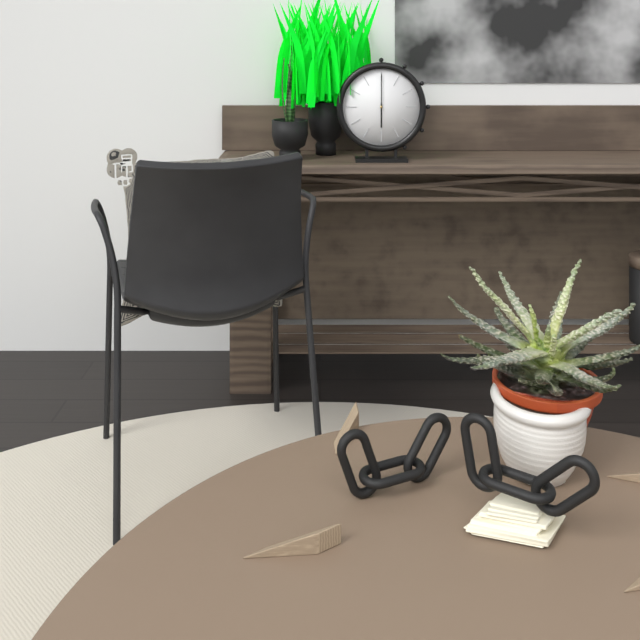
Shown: 6:00
